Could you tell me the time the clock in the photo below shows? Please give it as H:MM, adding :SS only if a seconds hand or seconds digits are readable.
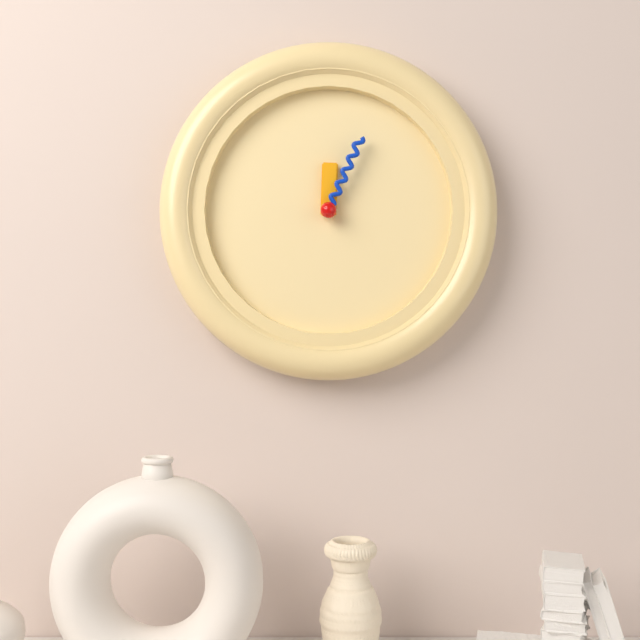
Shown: 12:04
